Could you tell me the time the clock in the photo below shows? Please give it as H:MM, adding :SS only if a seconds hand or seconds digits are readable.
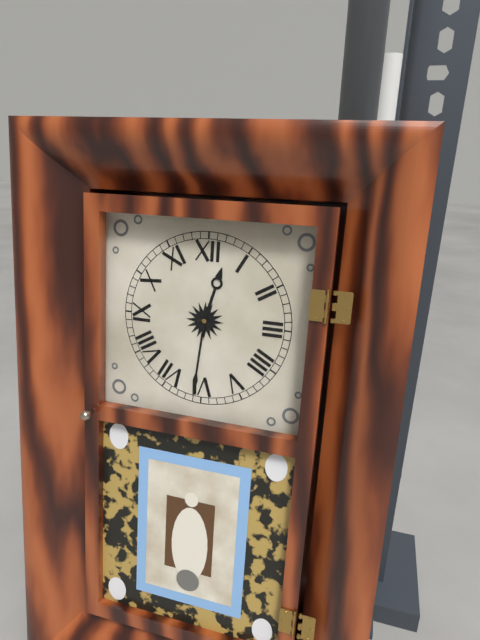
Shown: 12:31
